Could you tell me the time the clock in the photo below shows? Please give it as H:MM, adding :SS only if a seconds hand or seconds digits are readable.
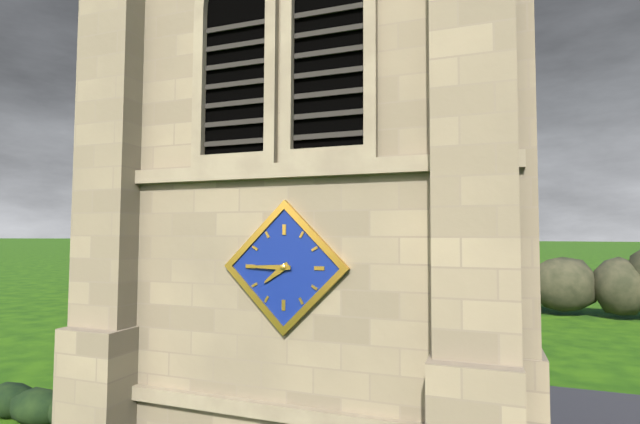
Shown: 7:45
